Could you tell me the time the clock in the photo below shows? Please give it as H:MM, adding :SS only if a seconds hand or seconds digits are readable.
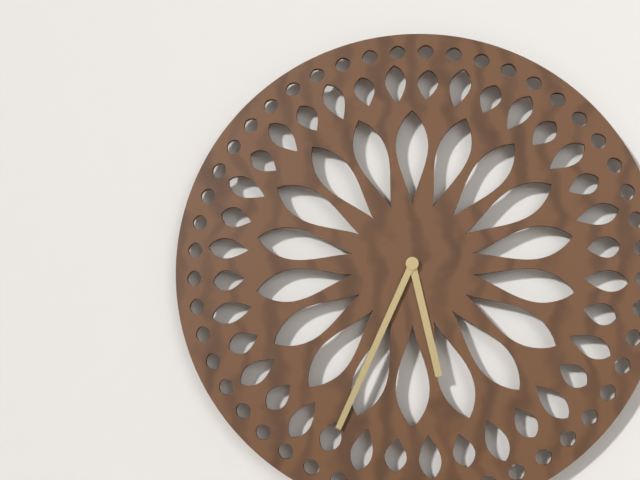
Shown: 5:34
